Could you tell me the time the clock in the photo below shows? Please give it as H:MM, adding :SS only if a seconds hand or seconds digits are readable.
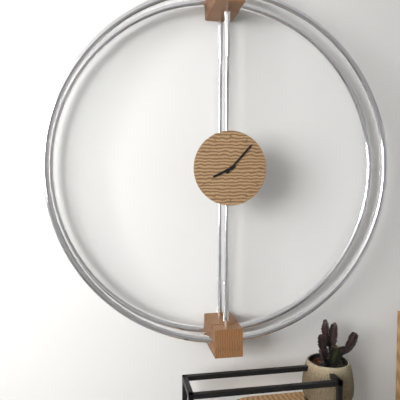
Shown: 8:07
